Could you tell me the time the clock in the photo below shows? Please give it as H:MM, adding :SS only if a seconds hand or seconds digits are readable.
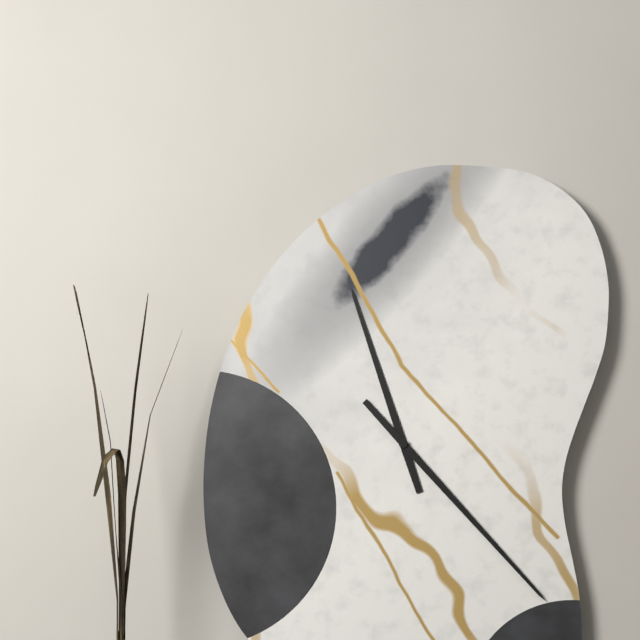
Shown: 11:23
